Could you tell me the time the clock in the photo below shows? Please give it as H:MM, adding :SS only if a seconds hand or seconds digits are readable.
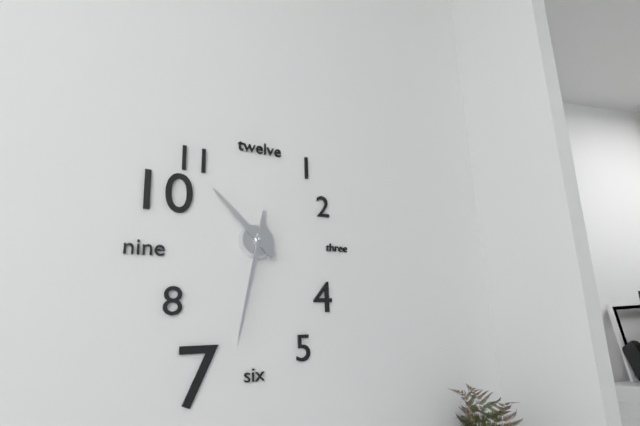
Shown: 10:32
